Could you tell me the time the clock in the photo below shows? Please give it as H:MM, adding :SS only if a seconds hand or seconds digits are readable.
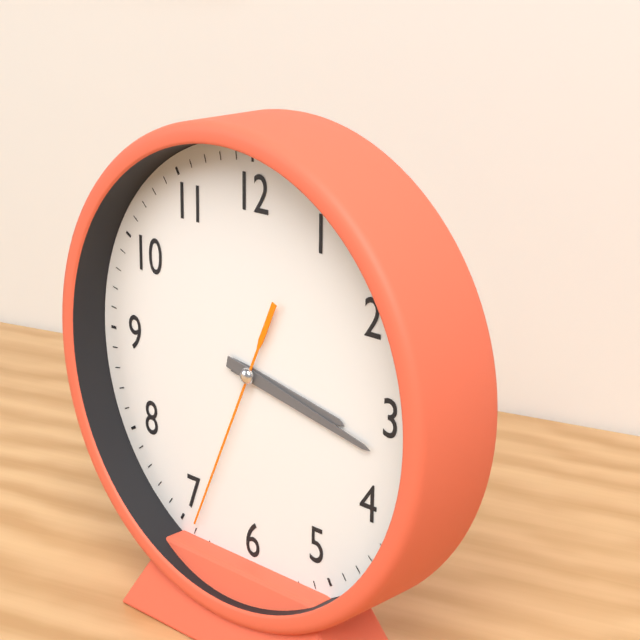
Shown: 3:17:34
